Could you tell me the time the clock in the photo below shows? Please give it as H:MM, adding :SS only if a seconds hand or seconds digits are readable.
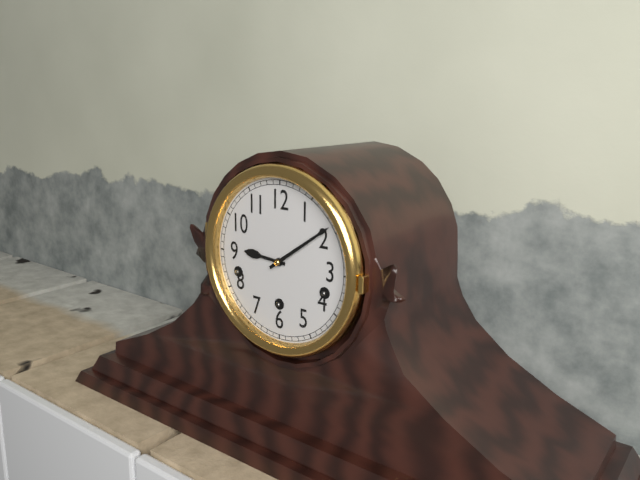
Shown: 9:09
